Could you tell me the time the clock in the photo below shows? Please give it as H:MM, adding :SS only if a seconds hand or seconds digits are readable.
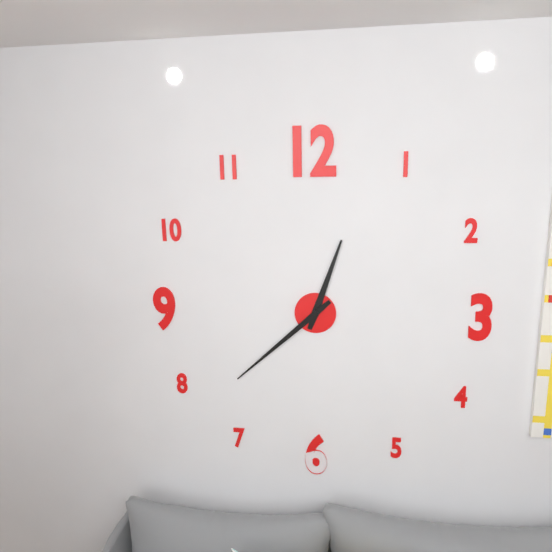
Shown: 12:38
